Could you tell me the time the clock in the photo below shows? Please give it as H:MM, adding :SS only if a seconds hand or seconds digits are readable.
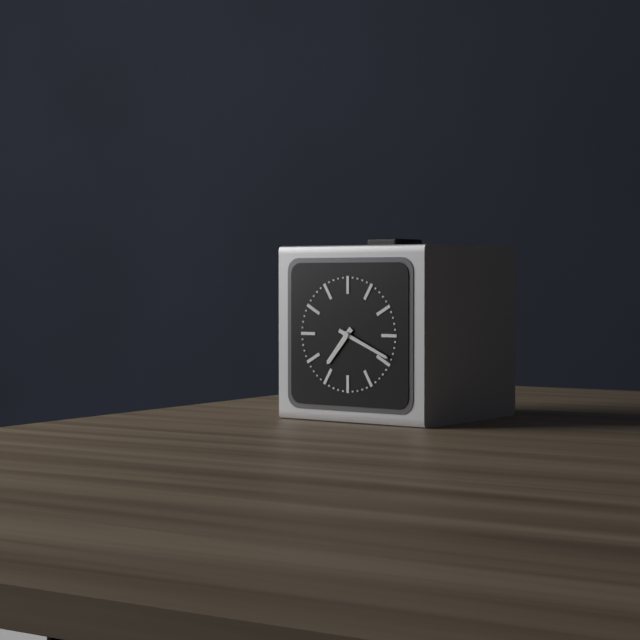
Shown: 7:19
